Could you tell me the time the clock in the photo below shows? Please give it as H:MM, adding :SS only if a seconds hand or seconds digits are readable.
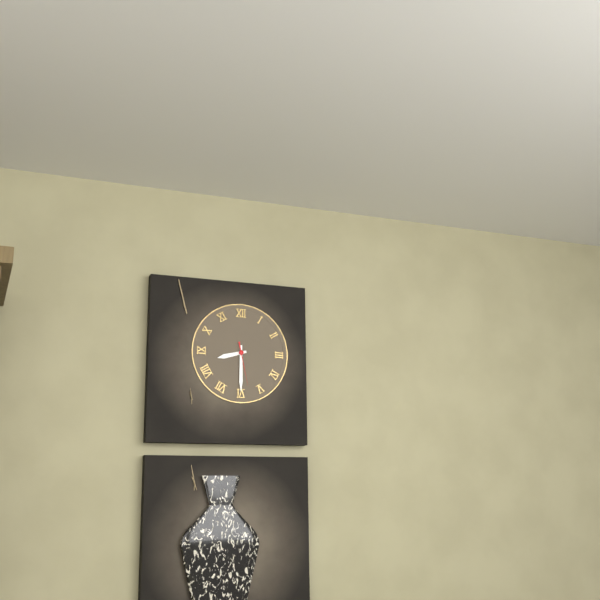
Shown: 8:30
